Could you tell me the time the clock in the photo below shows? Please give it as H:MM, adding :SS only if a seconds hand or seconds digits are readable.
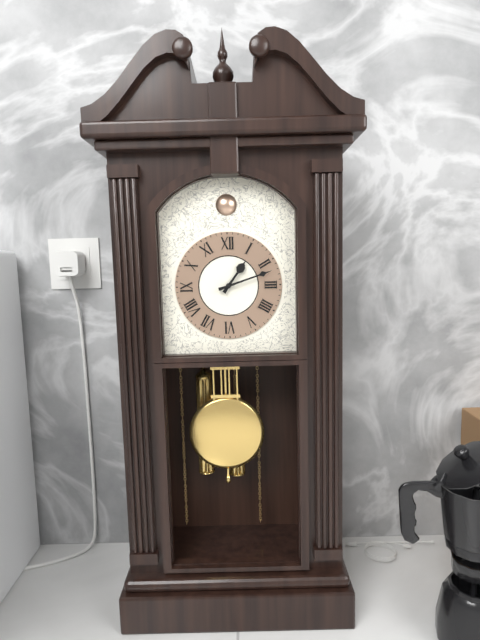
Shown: 1:12
